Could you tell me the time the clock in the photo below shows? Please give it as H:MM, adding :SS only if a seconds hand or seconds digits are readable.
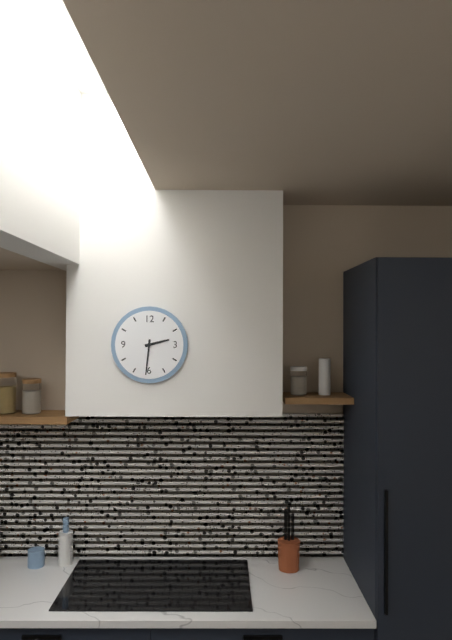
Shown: 2:31
